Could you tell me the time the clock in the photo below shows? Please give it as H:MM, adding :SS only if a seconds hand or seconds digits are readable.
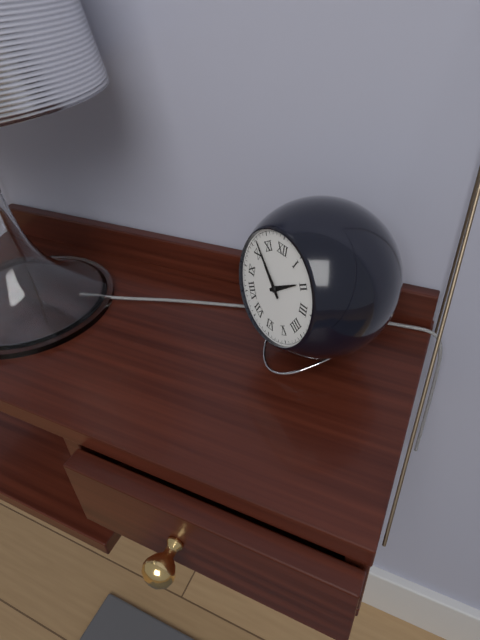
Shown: 1:52
